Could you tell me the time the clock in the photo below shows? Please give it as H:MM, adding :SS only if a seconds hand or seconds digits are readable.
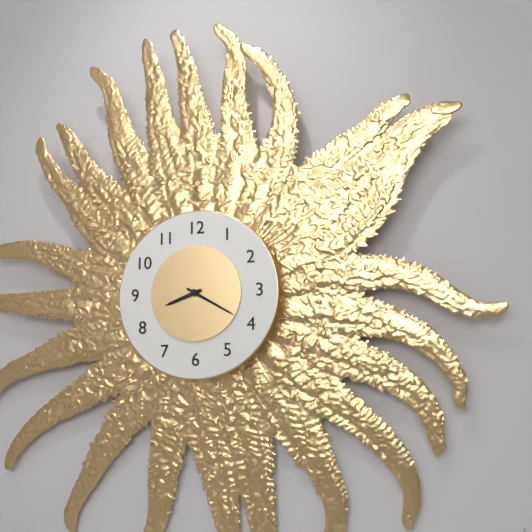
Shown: 8:20
